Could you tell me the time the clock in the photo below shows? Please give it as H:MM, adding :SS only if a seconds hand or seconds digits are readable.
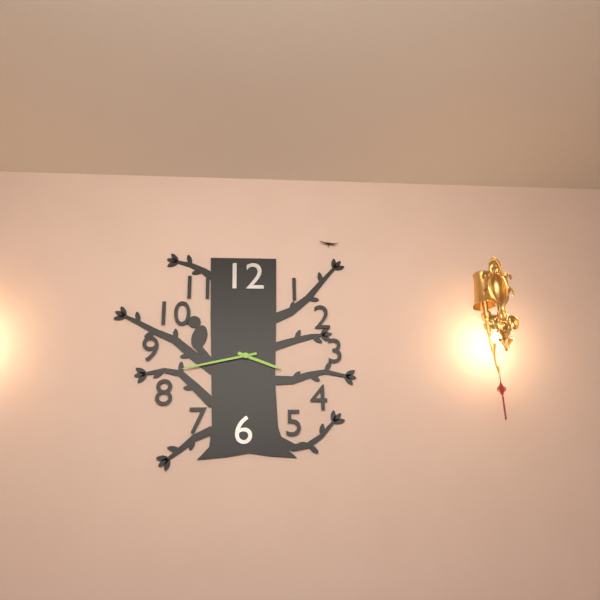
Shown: 3:43
